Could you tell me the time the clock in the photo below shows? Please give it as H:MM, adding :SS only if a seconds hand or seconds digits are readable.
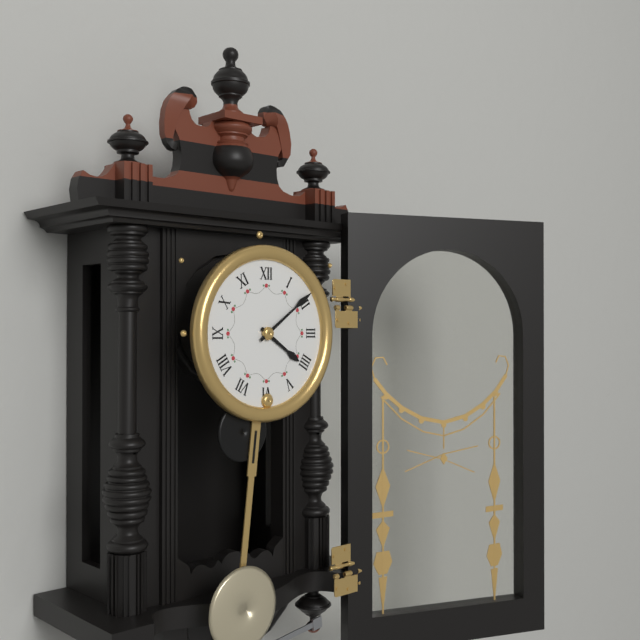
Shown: 4:09
